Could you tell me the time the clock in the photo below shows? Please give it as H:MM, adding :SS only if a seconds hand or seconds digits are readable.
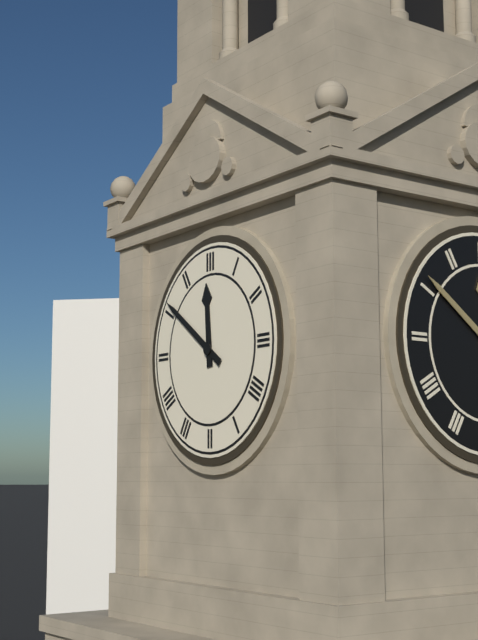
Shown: 11:51
